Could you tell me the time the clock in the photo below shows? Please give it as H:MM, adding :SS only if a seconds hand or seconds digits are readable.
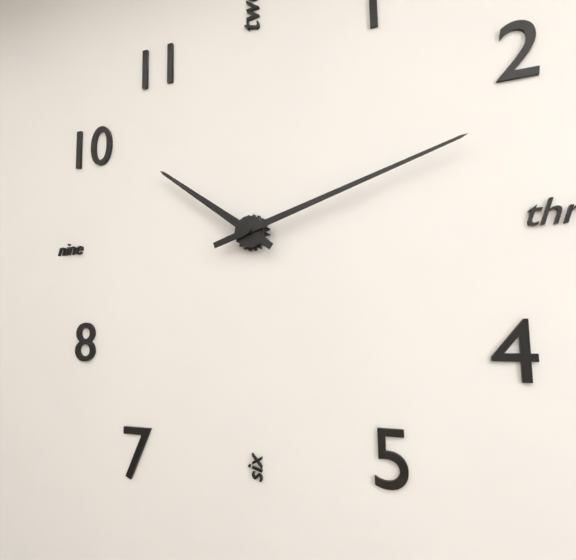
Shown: 10:12
